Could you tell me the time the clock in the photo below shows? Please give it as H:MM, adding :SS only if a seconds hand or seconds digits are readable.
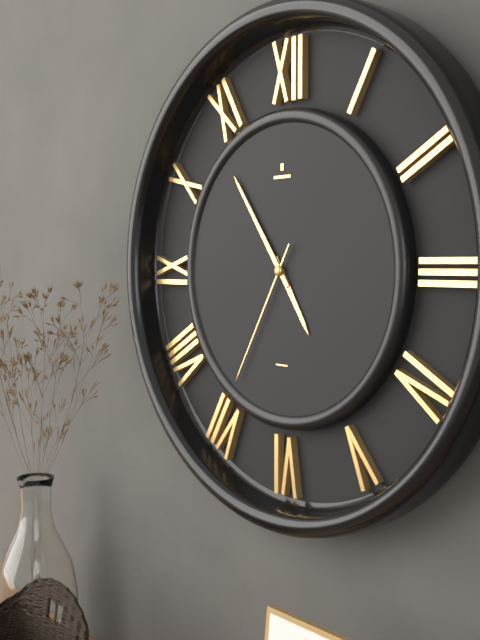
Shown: 4:54:35
